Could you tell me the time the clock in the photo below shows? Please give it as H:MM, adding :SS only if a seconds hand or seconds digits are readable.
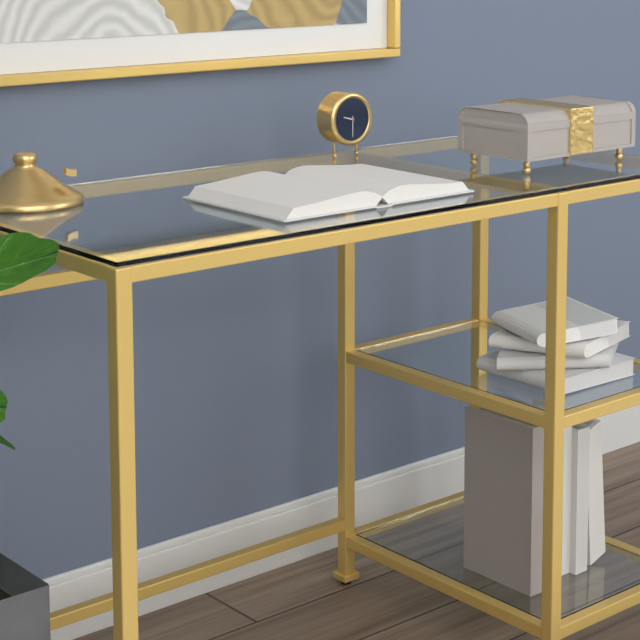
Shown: 9:30
